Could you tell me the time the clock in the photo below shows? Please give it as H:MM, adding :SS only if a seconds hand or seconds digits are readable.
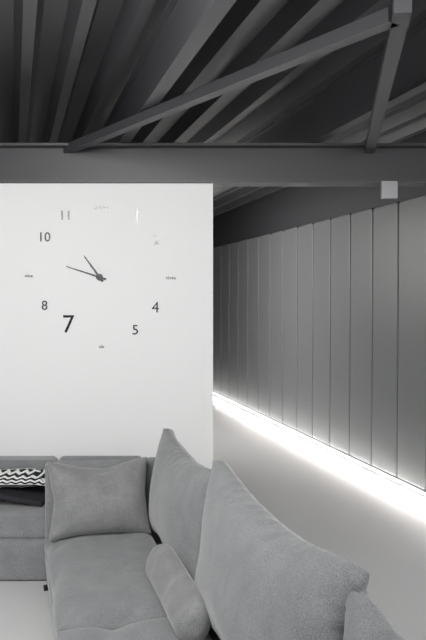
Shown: 10:48
